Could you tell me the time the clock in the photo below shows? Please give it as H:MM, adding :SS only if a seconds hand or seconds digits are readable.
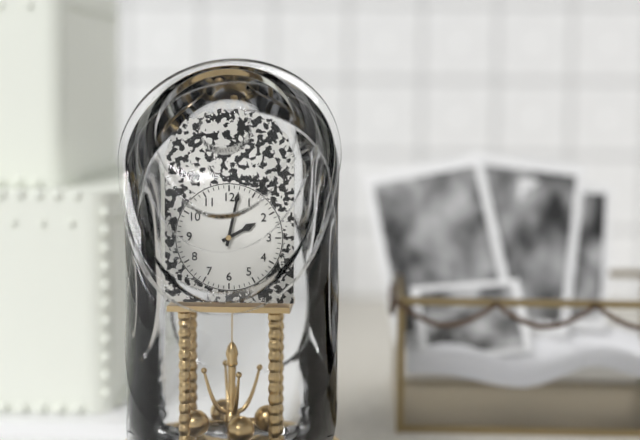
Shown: 2:02
